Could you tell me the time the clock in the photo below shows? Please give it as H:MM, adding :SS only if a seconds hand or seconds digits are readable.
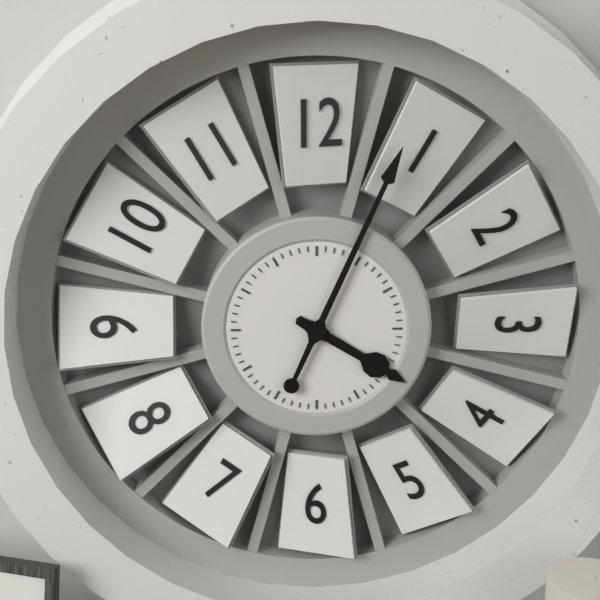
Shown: 4:04
